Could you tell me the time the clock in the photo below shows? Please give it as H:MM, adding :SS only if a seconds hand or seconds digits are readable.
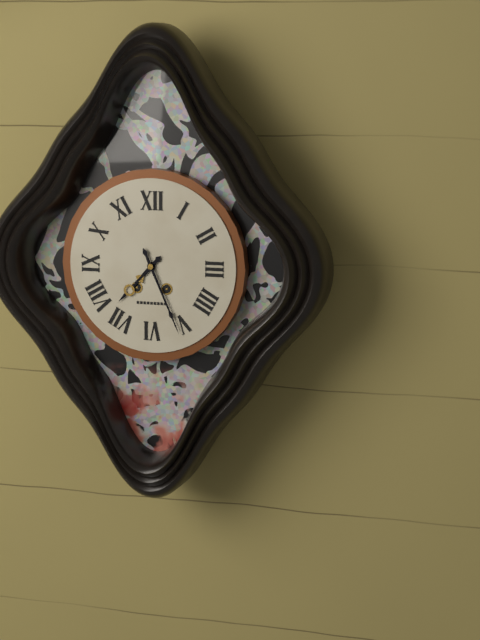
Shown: 7:26
